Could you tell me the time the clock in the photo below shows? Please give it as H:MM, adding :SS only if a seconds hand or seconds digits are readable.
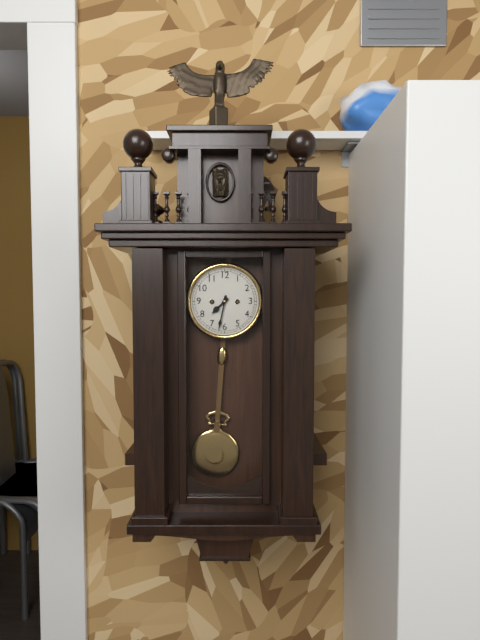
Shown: 7:32
